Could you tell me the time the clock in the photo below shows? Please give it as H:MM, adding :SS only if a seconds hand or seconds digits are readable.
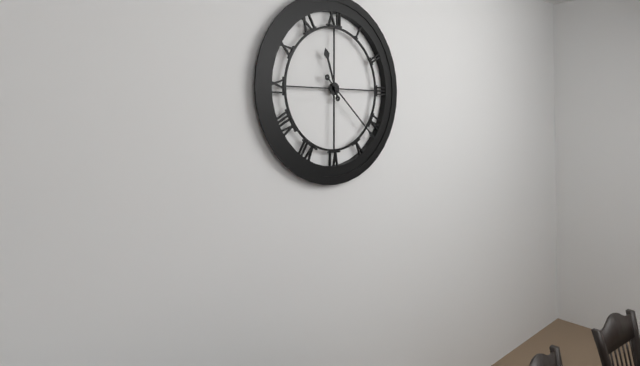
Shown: 11:22
